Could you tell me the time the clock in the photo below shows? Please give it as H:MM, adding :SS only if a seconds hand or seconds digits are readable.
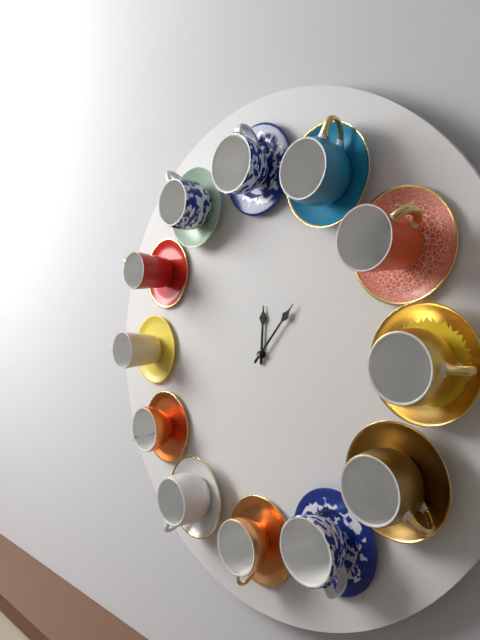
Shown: 12:07
